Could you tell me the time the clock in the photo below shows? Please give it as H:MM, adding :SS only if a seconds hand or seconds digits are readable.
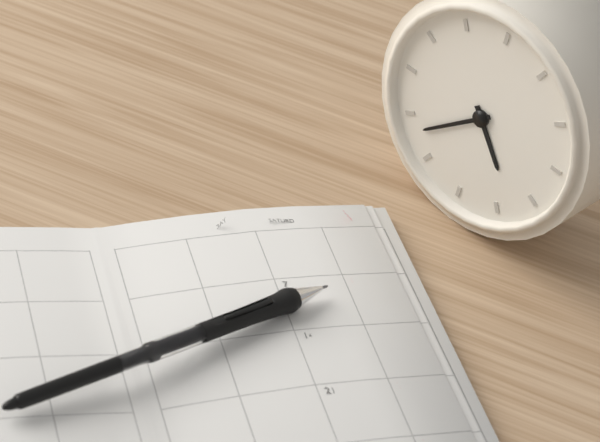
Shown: 4:38
